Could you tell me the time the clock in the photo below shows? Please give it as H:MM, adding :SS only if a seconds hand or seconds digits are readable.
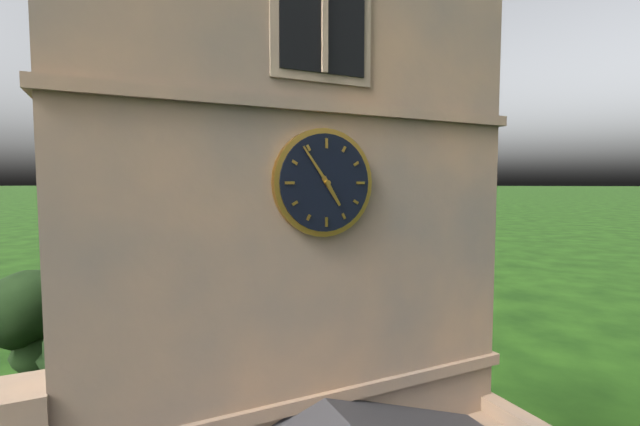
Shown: 4:54
